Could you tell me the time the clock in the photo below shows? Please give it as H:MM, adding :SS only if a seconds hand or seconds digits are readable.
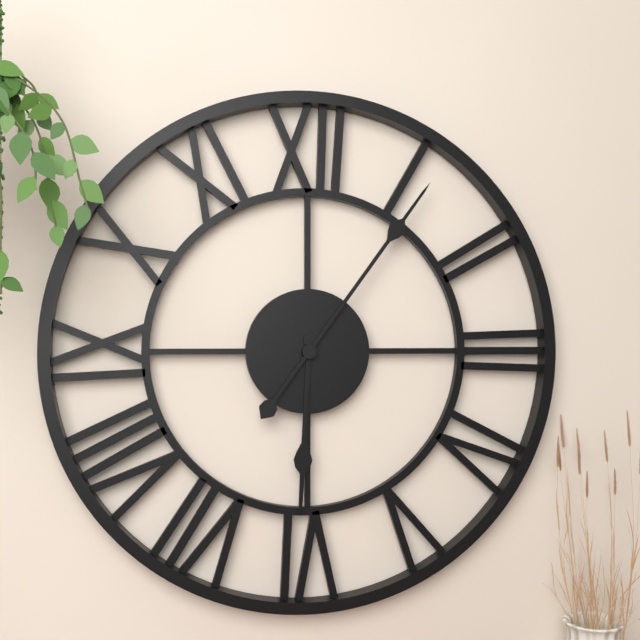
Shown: 6:06
